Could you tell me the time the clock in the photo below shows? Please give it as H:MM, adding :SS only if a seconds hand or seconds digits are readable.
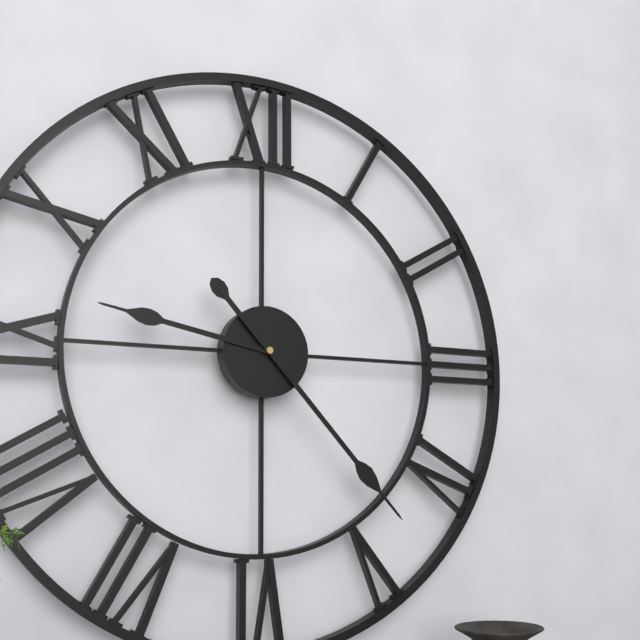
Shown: 9:23
